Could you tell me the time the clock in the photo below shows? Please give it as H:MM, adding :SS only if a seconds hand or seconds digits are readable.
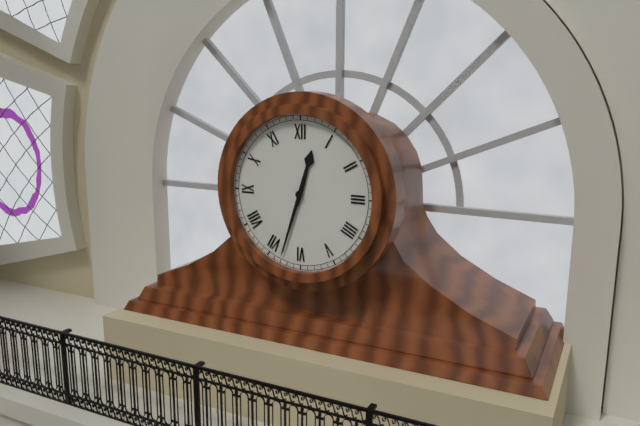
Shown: 12:33
